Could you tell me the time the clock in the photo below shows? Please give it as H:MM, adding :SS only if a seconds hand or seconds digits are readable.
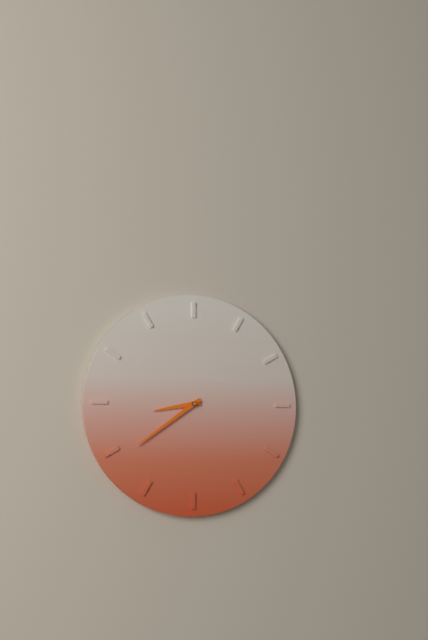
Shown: 8:39
